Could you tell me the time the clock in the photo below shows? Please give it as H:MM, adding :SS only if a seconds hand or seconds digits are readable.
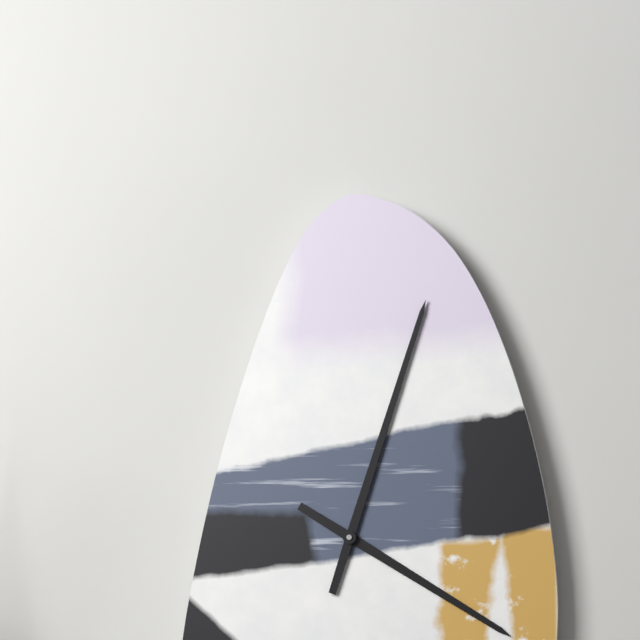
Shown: 4:03
